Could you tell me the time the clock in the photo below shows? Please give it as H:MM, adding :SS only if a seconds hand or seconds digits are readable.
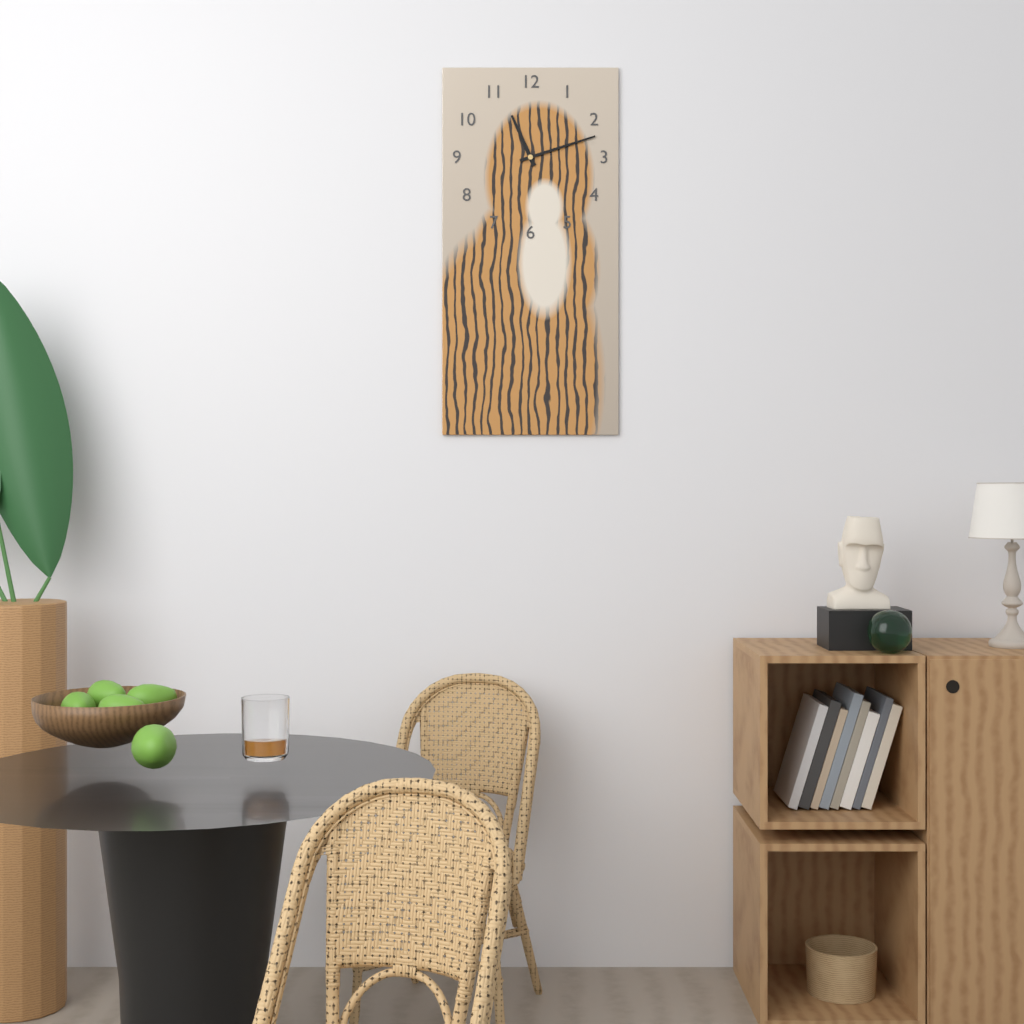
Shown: 11:12
